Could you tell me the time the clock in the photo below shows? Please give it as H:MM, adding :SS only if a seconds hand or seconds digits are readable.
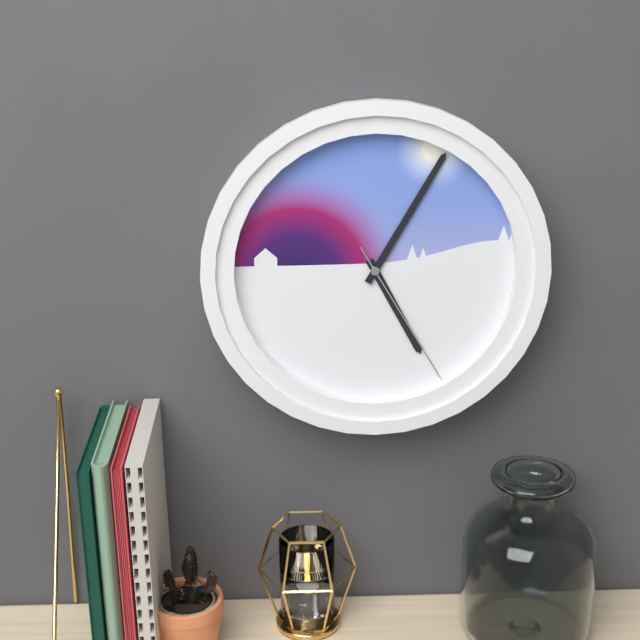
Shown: 5:05:25
